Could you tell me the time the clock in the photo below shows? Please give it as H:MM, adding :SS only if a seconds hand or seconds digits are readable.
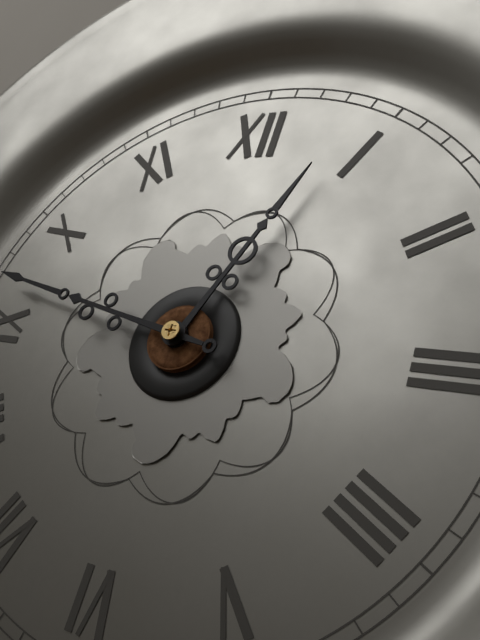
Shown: 12:47
